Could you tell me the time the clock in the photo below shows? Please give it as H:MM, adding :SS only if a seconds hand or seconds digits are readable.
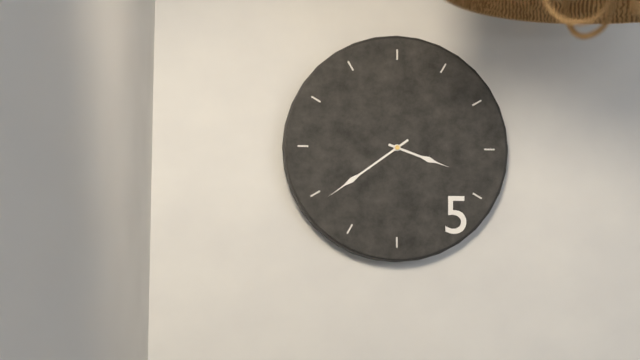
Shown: 3:39
